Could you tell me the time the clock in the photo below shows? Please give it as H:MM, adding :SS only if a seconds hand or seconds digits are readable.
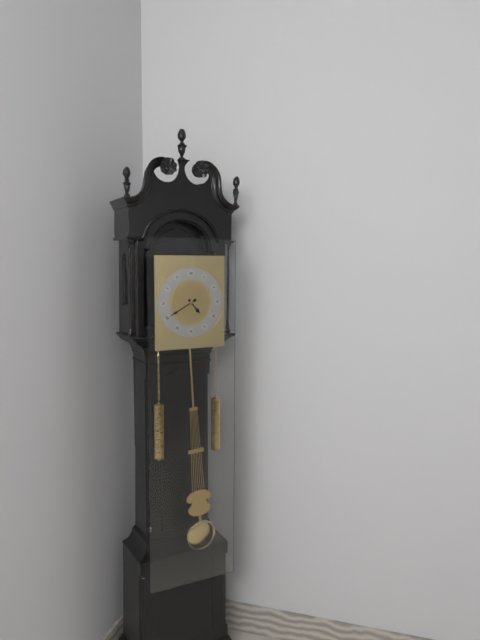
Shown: 4:40
